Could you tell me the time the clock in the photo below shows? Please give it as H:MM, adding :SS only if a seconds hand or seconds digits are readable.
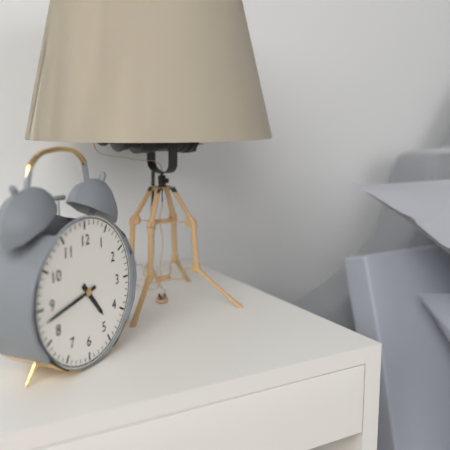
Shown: 4:43
